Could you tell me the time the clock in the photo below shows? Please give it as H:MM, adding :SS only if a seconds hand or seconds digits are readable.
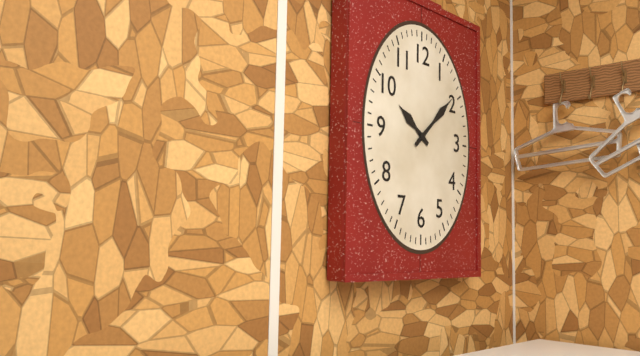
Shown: 10:08
